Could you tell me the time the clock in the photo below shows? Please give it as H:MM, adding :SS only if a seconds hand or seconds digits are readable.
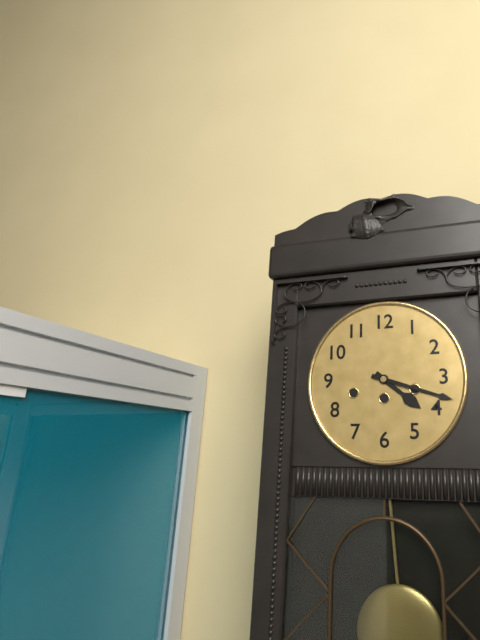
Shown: 4:18
